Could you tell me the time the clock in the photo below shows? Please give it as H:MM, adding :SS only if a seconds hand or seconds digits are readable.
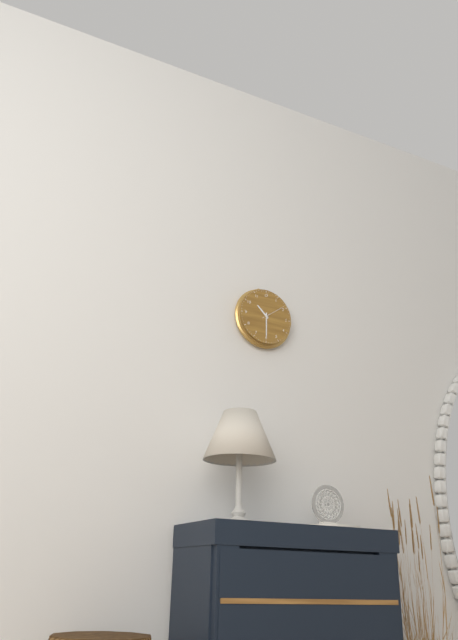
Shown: 10:30
